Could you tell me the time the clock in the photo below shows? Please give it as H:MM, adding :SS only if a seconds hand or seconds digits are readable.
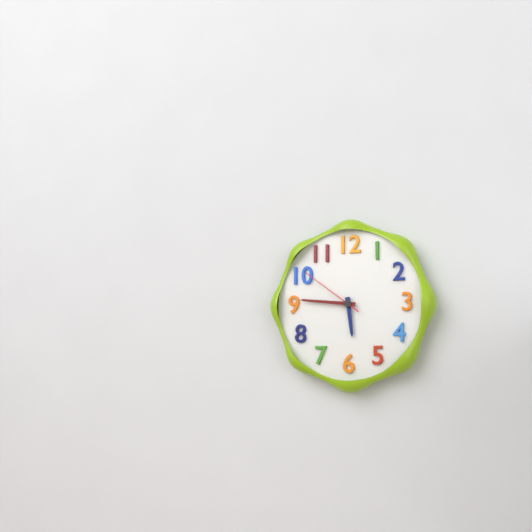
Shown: 5:46:51
